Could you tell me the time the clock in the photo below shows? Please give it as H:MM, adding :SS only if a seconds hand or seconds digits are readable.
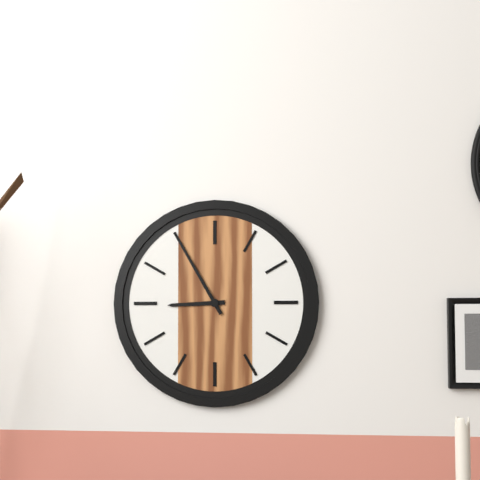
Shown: 8:55
